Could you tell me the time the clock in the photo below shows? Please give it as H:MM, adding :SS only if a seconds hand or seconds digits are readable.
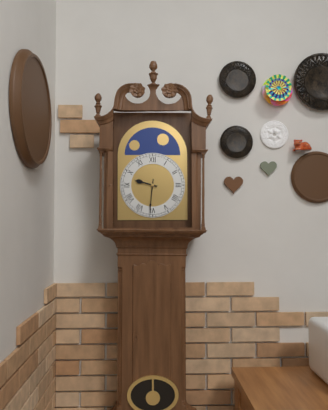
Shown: 9:31
